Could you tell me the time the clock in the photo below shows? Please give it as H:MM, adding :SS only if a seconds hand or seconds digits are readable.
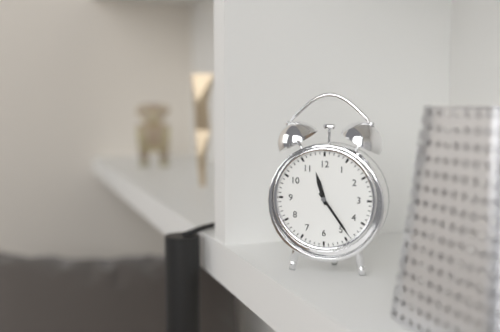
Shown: 11:24
